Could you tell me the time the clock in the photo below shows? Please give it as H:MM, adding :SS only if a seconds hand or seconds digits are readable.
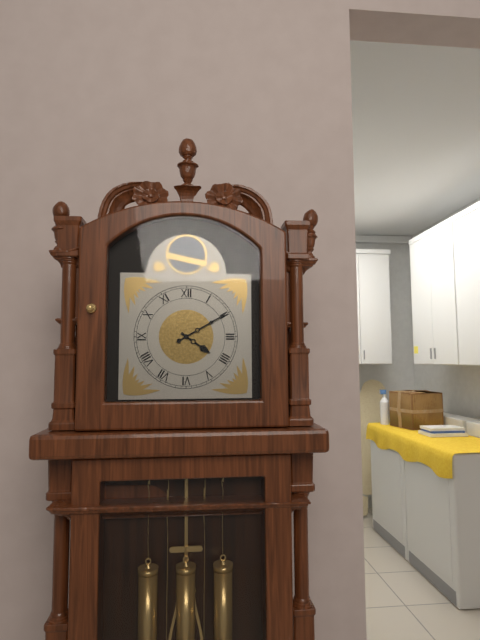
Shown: 4:10
